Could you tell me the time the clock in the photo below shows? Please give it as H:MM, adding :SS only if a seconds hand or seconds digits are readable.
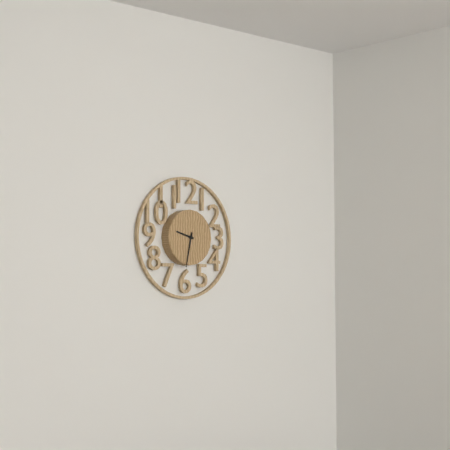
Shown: 9:32
